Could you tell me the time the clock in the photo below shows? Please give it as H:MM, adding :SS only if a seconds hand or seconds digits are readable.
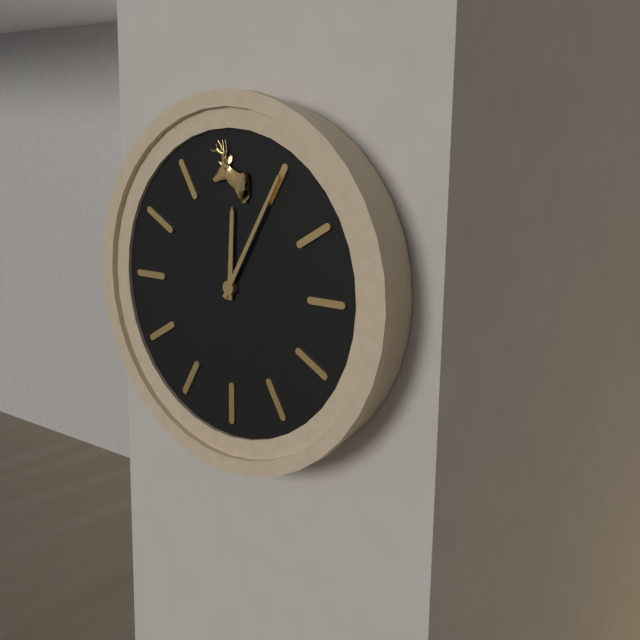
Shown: 12:05
